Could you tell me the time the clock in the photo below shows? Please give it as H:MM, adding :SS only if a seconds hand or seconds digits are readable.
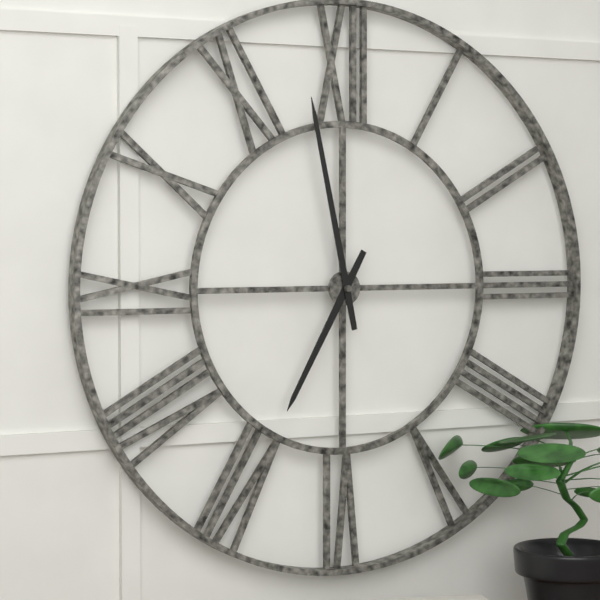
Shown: 6:58
